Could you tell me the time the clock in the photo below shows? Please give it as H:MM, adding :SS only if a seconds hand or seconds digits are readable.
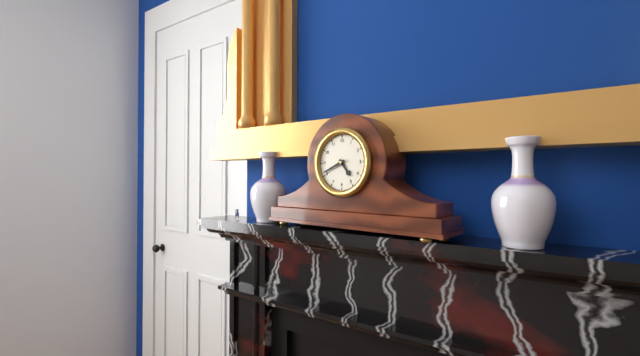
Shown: 4:41
